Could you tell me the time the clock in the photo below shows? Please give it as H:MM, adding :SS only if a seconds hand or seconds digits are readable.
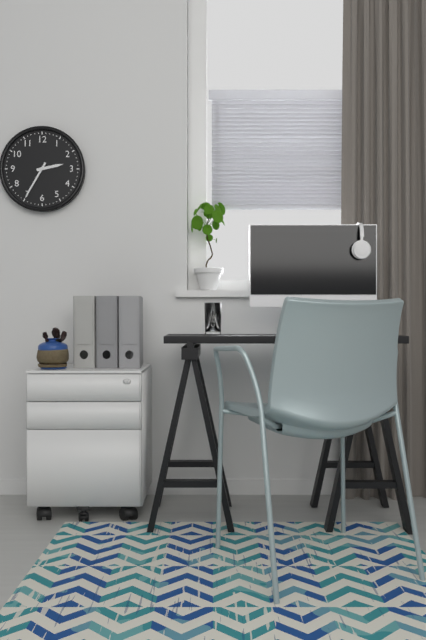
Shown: 2:35
